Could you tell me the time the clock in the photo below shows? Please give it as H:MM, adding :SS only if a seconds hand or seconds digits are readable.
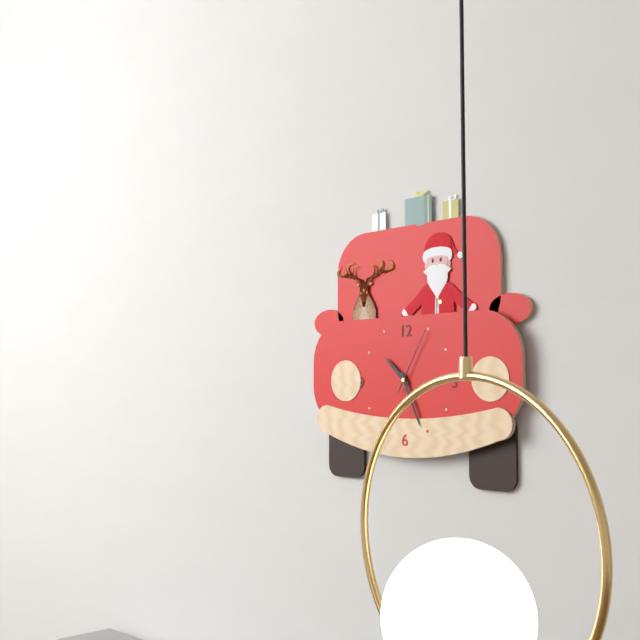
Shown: 10:26:05
